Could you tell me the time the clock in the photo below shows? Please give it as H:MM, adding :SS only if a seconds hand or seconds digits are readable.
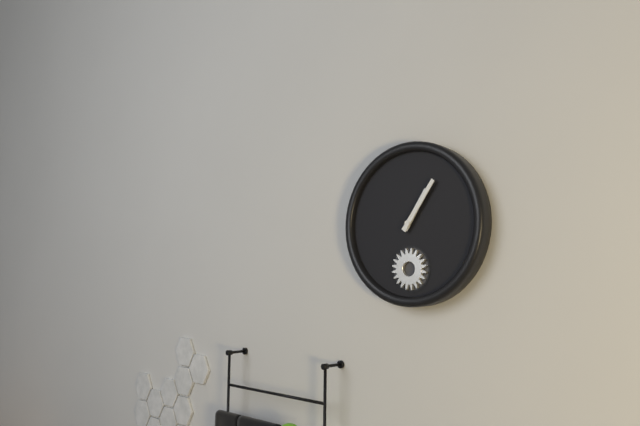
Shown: 1:06
